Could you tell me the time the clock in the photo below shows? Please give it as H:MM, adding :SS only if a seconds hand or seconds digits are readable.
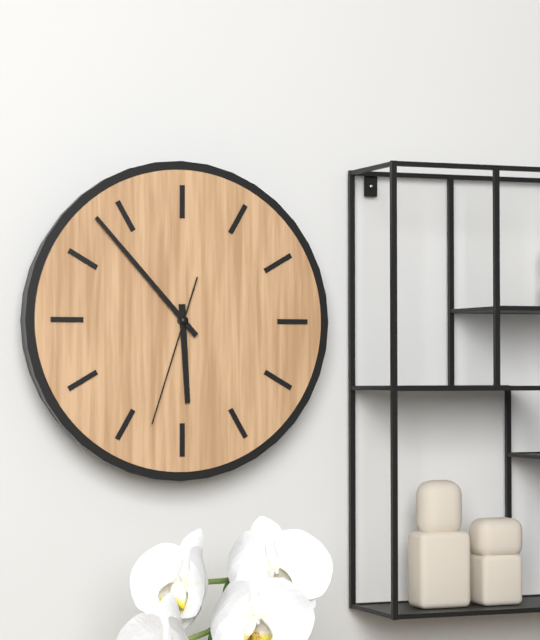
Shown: 5:53:33
